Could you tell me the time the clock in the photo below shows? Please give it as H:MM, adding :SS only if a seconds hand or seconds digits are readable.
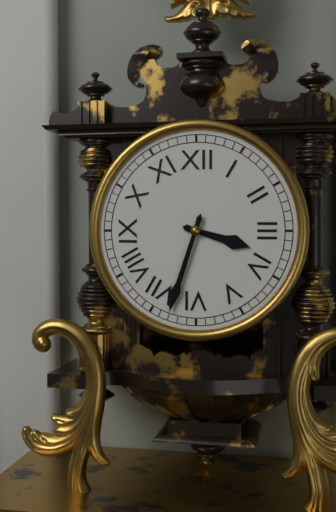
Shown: 3:33
